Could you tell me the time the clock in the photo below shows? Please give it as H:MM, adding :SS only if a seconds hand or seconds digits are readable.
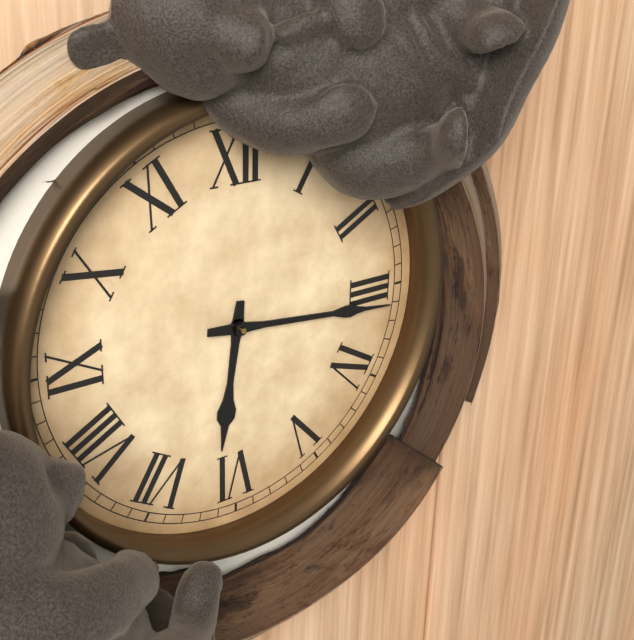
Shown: 6:16
